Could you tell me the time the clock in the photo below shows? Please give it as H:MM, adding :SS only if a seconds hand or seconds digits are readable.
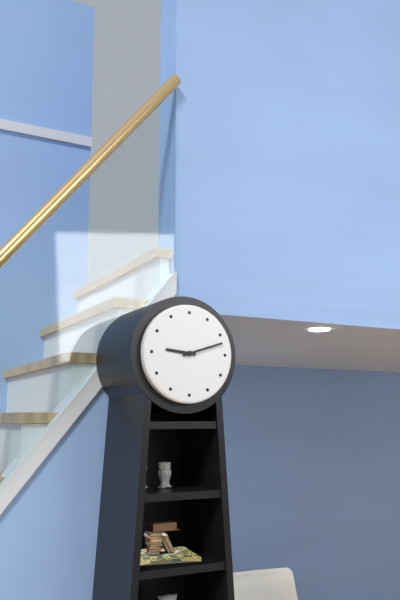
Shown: 9:12
